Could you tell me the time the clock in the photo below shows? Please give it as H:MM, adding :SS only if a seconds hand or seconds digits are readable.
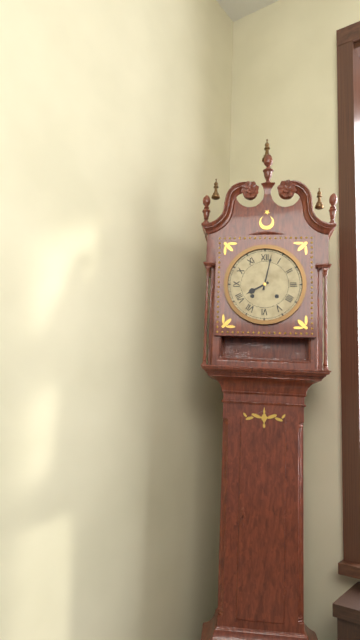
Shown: 8:02
